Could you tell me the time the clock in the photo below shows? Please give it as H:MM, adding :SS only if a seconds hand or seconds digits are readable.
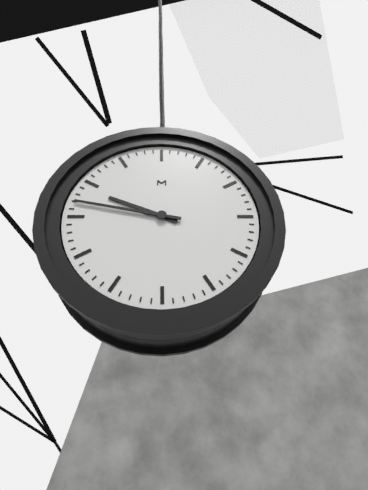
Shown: 9:47
